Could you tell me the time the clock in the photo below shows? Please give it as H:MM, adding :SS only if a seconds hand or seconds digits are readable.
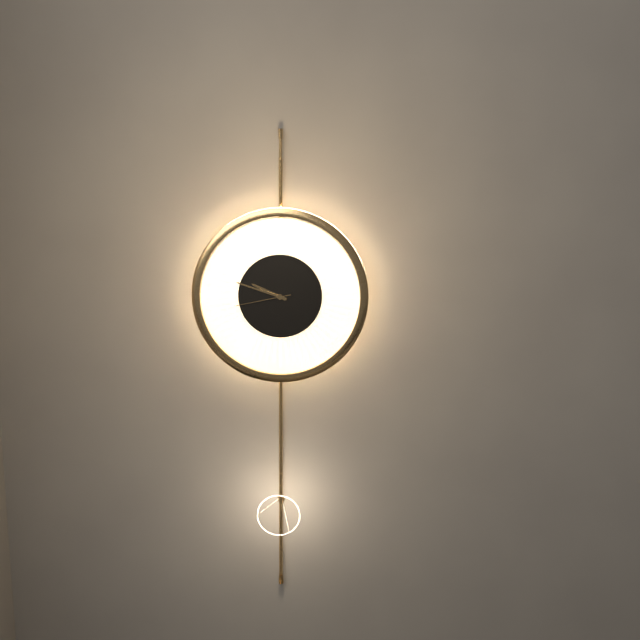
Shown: 9:48:43
